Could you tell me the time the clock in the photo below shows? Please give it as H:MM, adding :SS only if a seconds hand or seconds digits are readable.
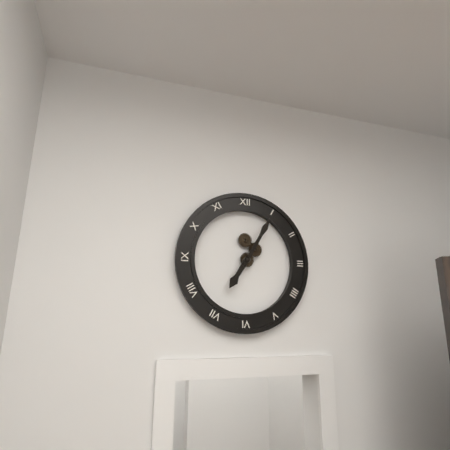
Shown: 7:05
